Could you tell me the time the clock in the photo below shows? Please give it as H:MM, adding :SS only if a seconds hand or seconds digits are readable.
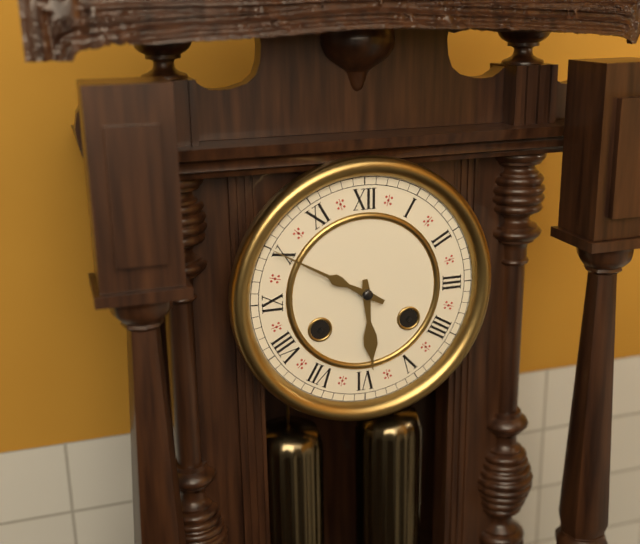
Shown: 5:50
